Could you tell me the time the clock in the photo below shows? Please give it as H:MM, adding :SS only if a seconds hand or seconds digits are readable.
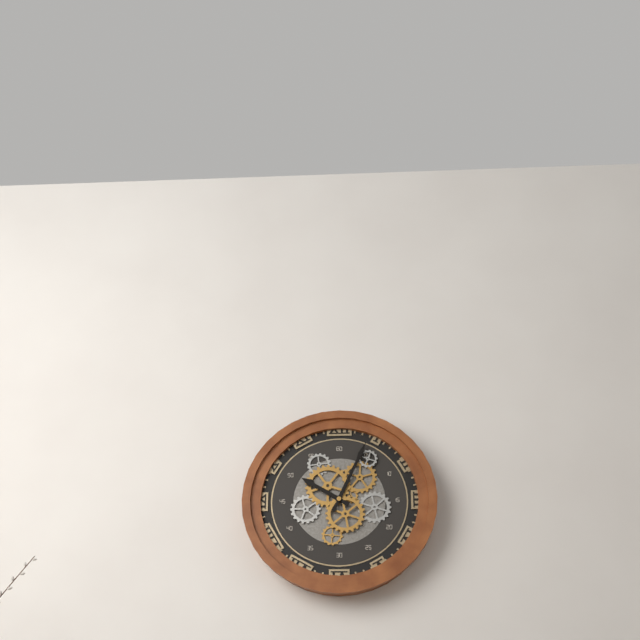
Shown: 10:04
